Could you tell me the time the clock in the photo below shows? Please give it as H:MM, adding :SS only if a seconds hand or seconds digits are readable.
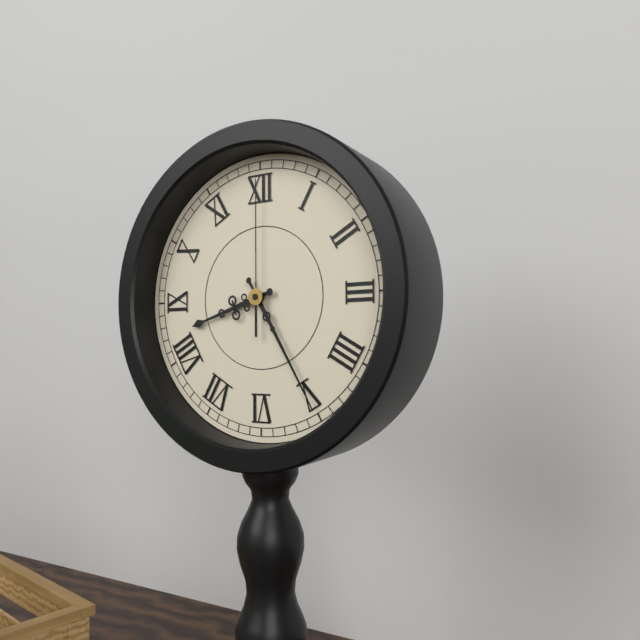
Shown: 8:25:00
